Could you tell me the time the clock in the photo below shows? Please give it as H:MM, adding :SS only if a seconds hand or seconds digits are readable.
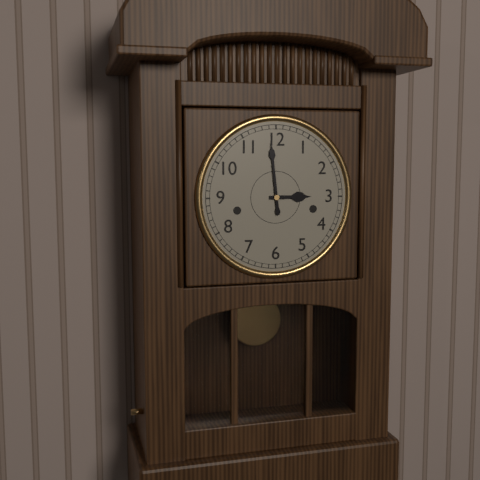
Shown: 2:59
